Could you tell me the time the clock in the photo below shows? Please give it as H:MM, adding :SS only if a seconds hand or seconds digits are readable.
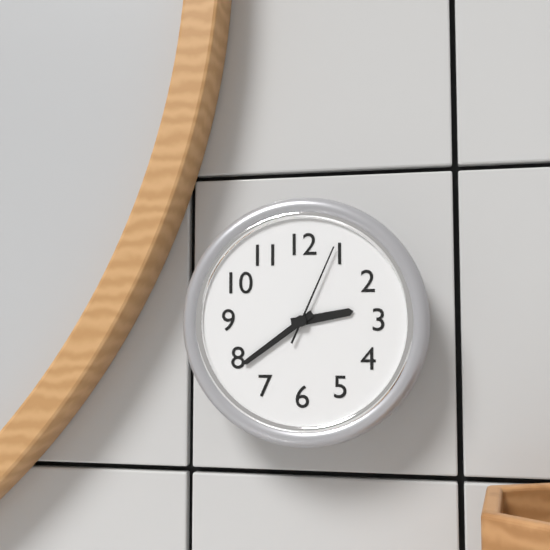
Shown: 2:39:04
